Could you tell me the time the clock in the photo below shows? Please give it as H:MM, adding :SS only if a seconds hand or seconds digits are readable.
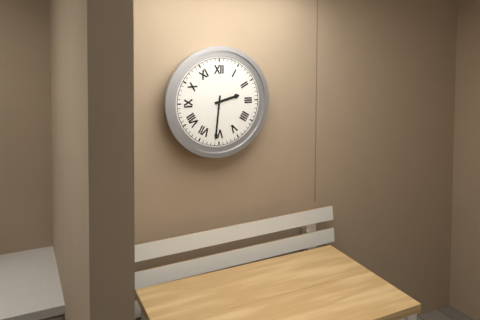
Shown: 2:31
